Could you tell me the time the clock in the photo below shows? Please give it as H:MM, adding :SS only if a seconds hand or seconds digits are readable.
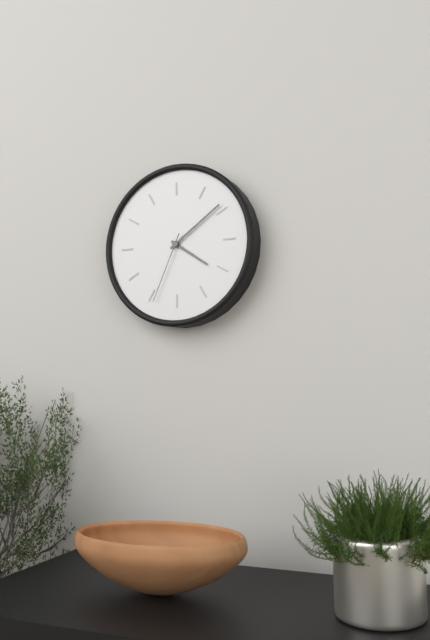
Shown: 4:09:34
